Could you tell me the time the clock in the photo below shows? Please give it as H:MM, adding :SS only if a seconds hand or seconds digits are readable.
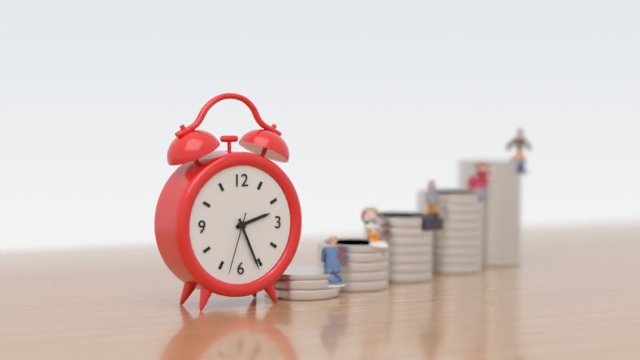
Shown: 2:26:33
